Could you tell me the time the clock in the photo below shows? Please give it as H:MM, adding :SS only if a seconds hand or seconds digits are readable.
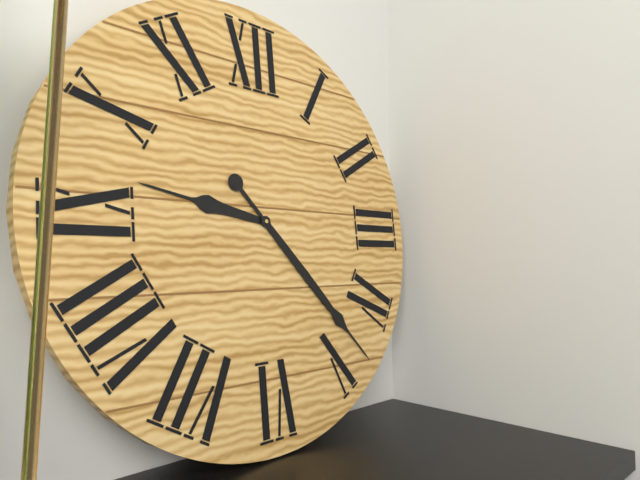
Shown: 9:23
